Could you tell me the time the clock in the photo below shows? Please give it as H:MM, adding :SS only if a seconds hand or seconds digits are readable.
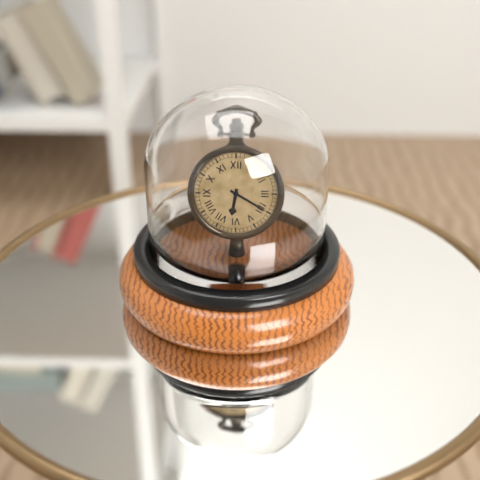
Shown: 6:20
